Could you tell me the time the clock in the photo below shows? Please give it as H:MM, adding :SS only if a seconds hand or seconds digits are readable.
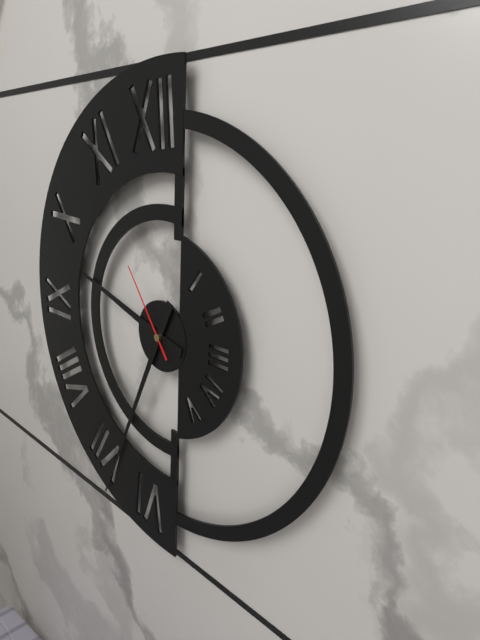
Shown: 9:34:54
